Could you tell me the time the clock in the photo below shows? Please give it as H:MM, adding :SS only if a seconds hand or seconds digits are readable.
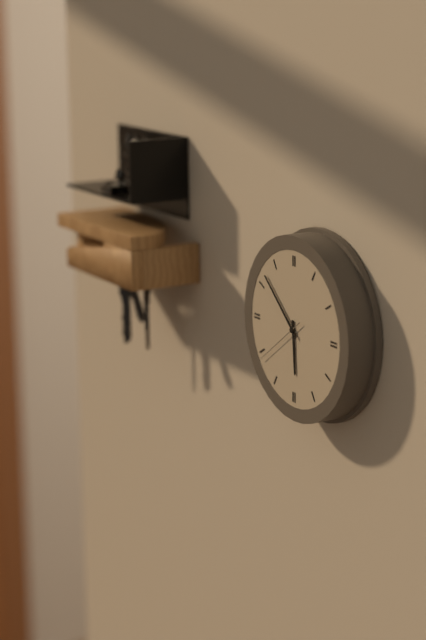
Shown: 5:52:39
